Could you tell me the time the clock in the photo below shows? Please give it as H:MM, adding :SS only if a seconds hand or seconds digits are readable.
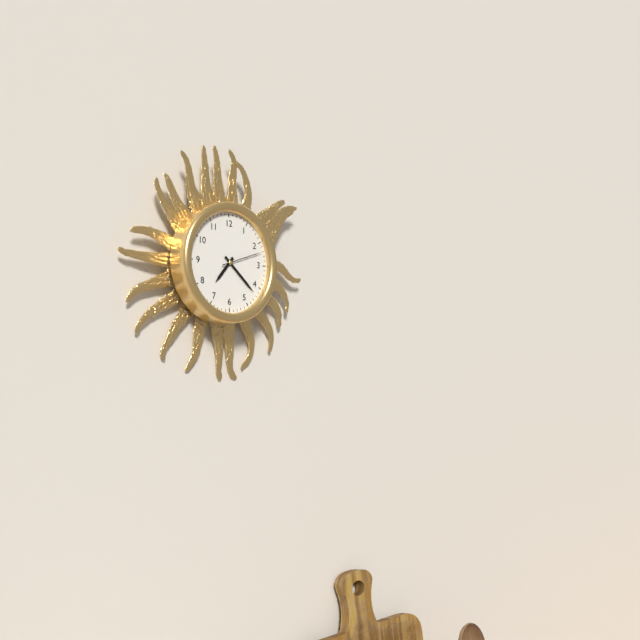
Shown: 7:22
